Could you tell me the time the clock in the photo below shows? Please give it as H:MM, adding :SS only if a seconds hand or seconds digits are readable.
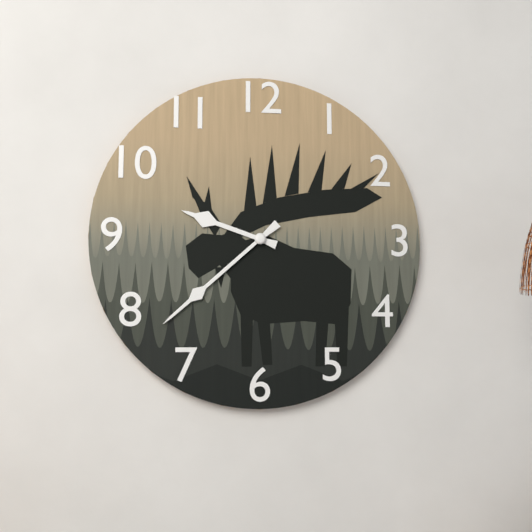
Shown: 9:38
